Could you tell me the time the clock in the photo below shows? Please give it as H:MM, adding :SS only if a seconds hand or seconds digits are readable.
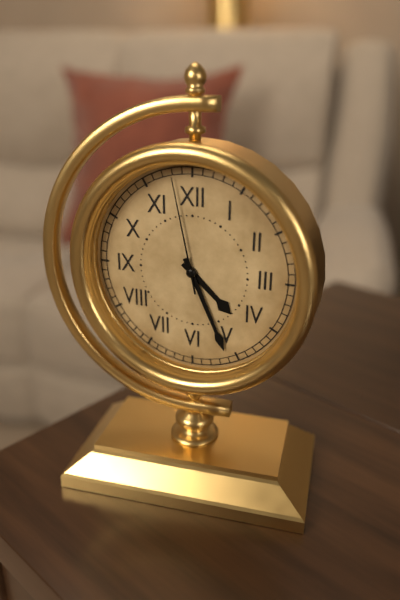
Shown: 4:26:58
